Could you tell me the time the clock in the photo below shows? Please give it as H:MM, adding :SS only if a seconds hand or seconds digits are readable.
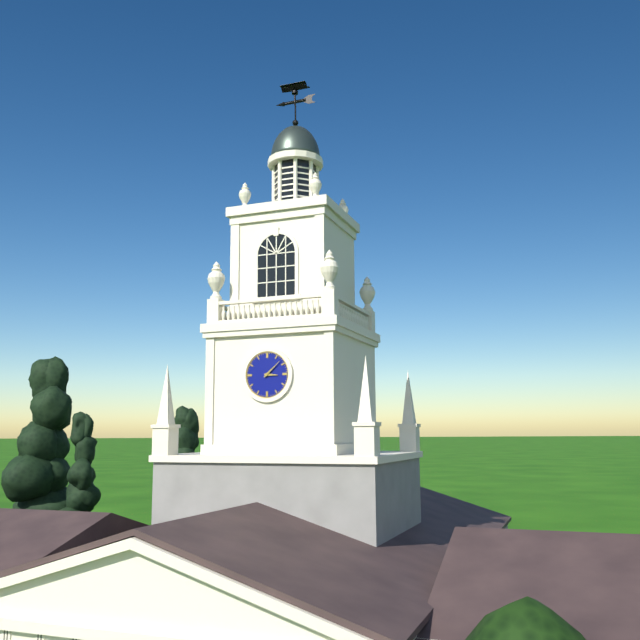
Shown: 3:08
